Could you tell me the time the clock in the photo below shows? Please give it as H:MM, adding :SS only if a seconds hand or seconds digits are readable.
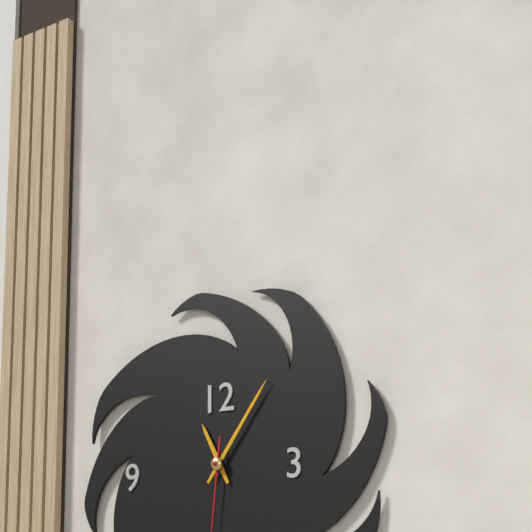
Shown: 11:06
